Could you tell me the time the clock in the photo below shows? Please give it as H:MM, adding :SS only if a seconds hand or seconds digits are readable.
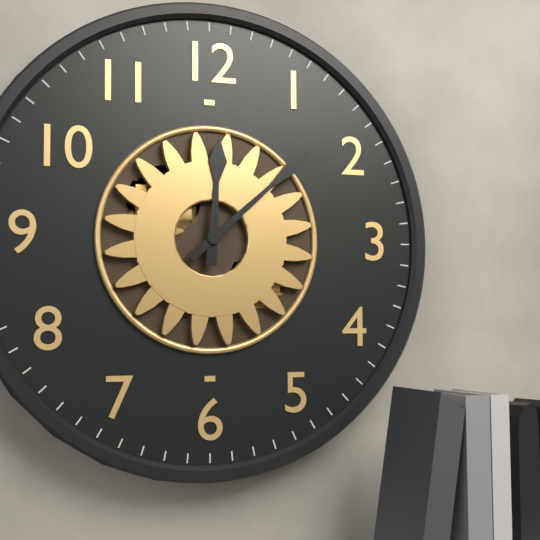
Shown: 12:08
